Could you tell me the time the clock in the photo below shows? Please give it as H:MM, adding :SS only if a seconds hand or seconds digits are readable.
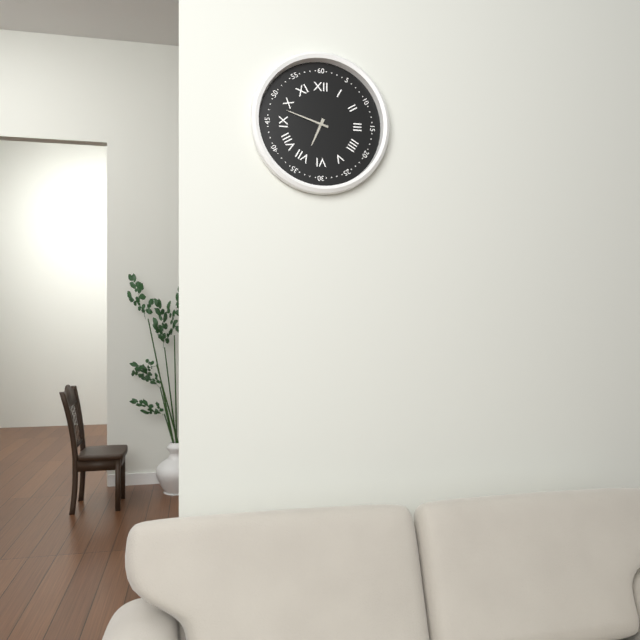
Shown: 6:48
